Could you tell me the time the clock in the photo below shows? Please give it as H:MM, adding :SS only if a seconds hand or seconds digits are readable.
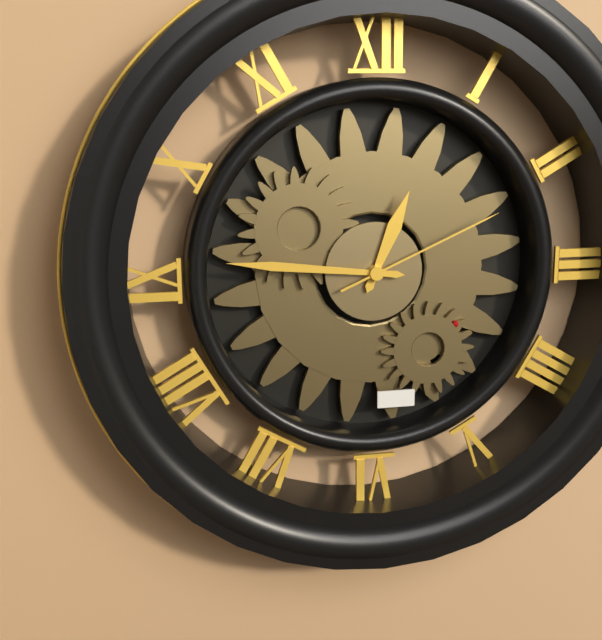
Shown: 12:46:11
